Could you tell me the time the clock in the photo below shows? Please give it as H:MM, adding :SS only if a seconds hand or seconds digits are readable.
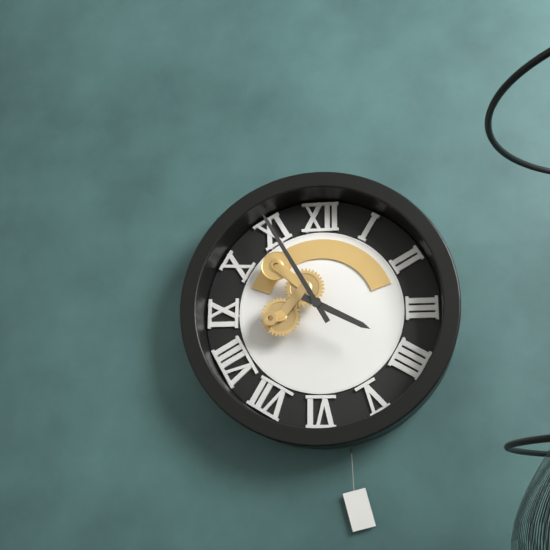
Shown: 3:55
